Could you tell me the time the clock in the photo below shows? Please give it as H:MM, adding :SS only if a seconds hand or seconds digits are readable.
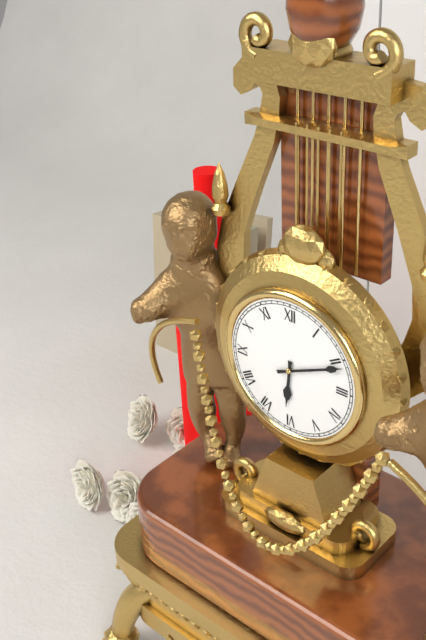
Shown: 6:11
